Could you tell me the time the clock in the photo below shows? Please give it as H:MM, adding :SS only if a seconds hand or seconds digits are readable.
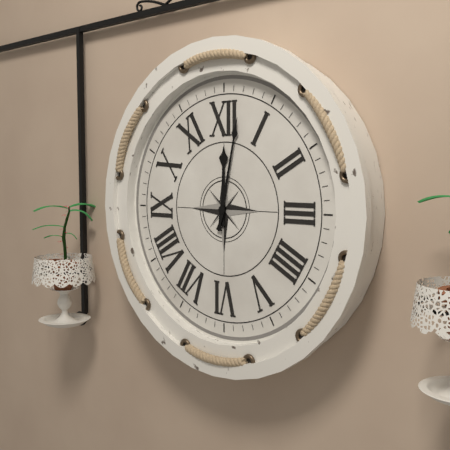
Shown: 12:02
